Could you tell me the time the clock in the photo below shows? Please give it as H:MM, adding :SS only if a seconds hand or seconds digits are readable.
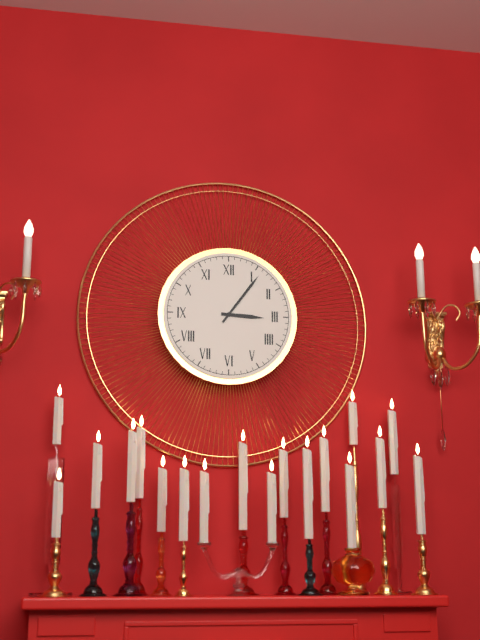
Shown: 3:06
